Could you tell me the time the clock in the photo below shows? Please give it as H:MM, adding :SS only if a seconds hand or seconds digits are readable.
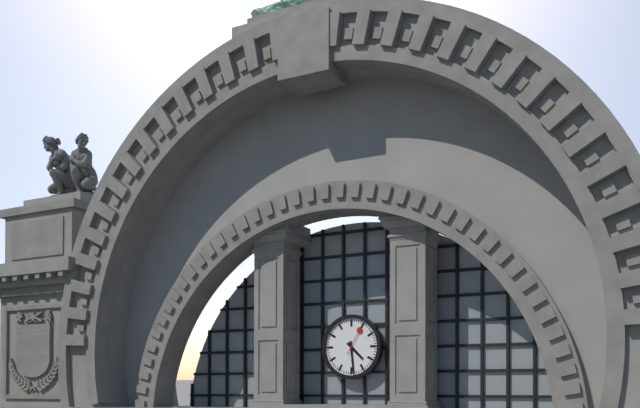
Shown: 4:29
